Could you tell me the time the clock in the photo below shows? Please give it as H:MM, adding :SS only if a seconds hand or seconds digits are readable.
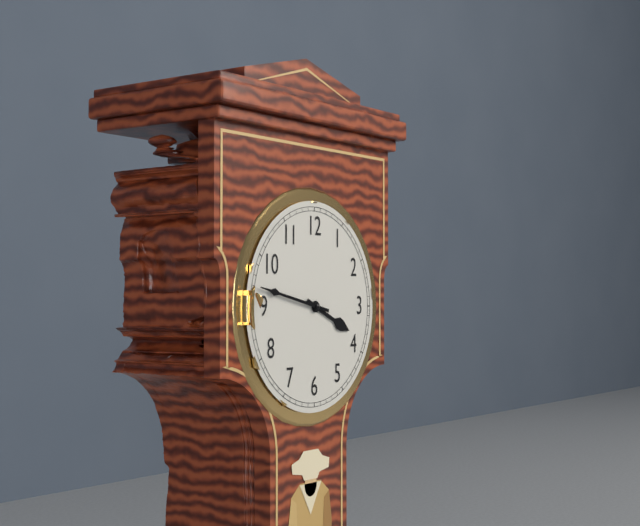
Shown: 3:47
